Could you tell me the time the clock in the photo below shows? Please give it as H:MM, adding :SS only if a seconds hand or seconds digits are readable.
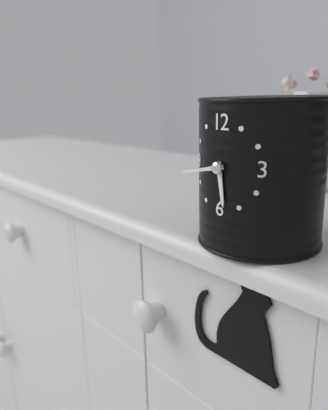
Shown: 5:43
